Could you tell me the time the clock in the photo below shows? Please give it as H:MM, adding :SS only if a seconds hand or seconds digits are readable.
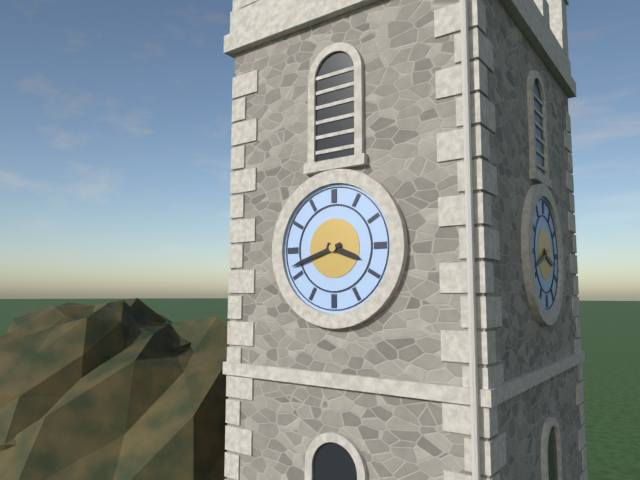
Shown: 3:42
